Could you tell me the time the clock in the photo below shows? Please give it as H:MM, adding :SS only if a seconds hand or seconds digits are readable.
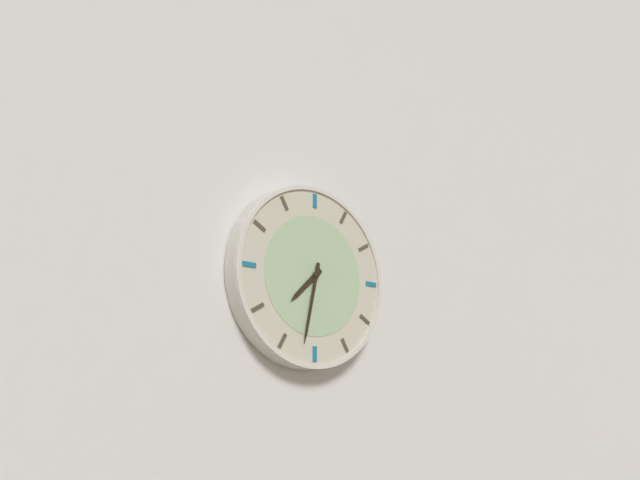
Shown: 7:32
